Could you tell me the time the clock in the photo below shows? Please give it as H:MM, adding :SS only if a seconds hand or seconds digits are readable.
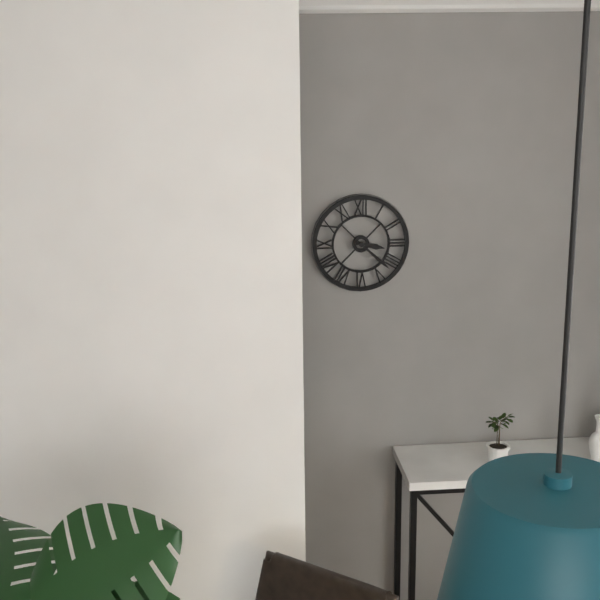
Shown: 3:22
